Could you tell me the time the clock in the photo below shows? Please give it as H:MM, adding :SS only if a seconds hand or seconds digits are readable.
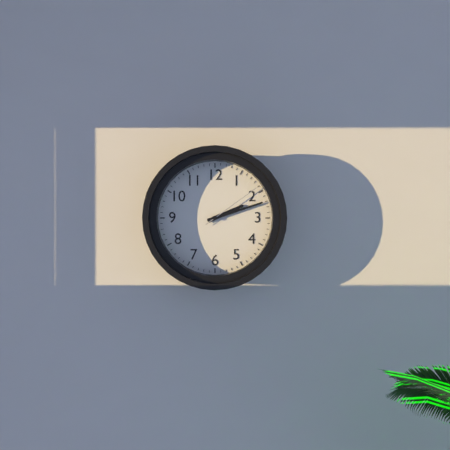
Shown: 2:12:09
